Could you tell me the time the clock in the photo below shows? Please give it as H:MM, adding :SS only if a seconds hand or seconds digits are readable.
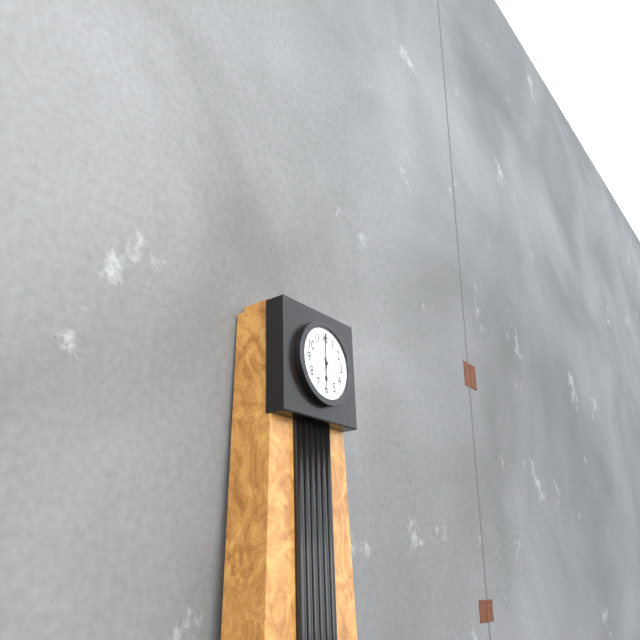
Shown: 6:00
